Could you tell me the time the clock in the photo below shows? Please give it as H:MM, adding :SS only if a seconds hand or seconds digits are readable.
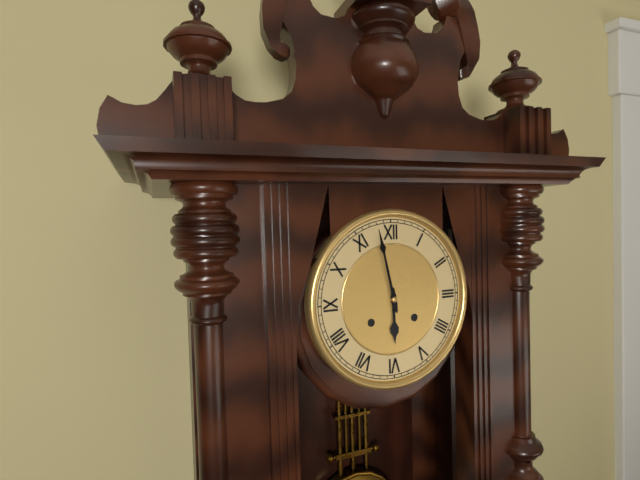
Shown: 5:58
